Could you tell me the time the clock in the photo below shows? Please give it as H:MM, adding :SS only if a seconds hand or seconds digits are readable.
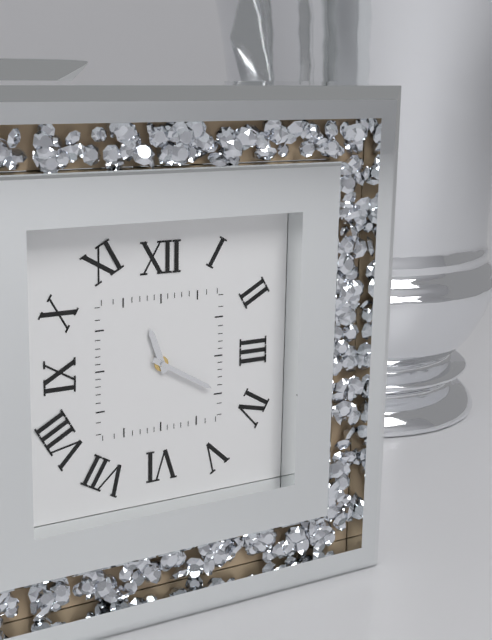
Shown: 11:20
